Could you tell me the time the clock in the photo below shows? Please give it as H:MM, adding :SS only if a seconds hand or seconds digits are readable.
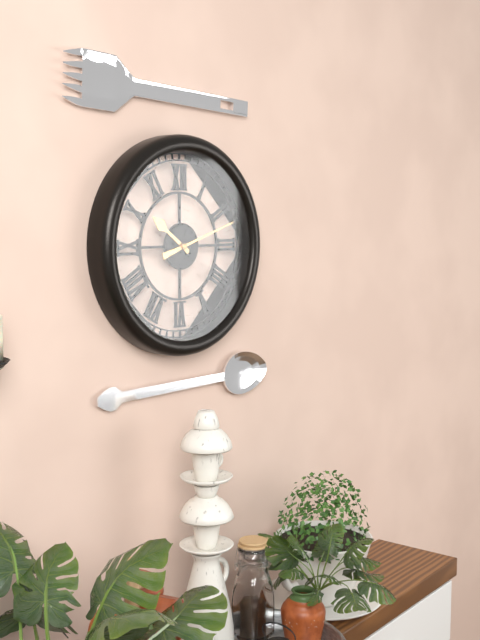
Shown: 10:12
